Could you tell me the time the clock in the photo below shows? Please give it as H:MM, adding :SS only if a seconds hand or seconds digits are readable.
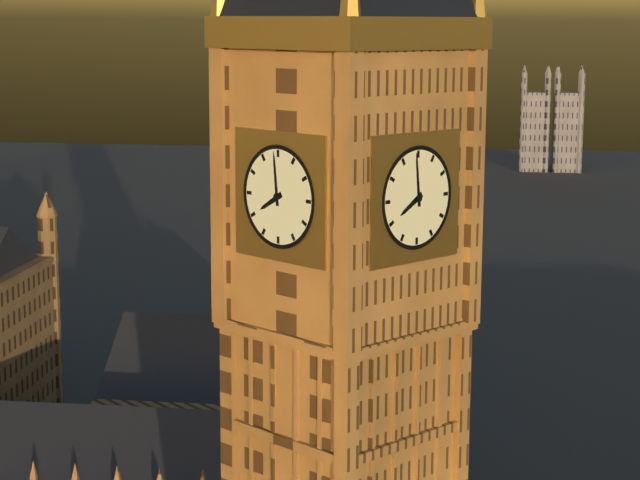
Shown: 7:59
